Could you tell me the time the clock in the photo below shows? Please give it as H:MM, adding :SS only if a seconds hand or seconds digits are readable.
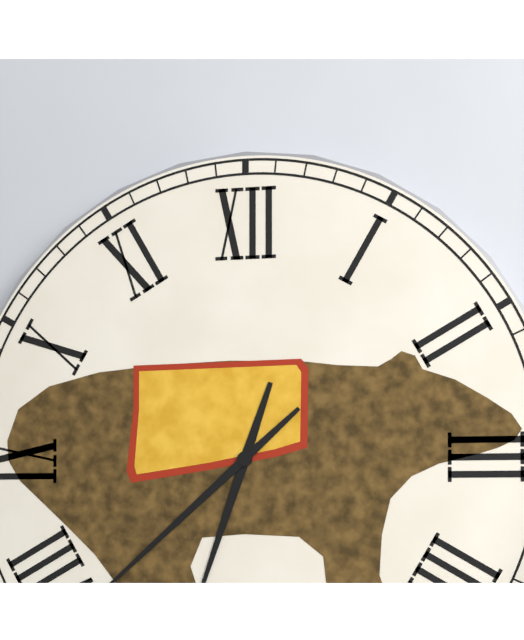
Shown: 6:38
